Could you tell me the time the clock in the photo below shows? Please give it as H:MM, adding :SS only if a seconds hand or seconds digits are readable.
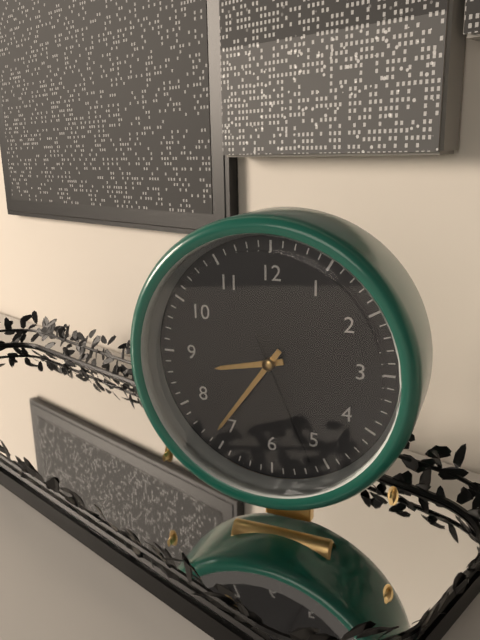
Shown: 8:36:26
